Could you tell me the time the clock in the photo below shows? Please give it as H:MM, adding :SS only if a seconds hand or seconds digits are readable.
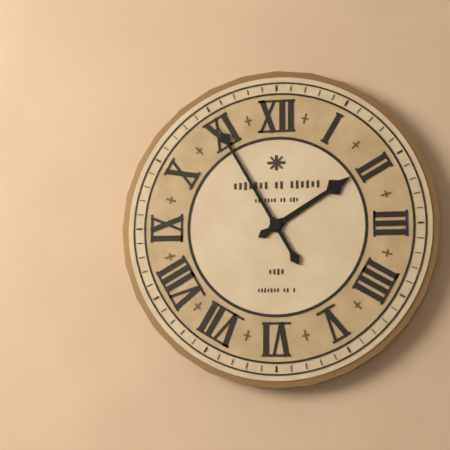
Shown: 1:55
